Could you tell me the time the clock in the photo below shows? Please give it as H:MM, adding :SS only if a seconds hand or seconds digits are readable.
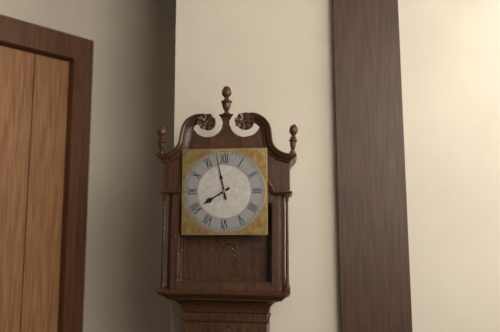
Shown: 7:58
